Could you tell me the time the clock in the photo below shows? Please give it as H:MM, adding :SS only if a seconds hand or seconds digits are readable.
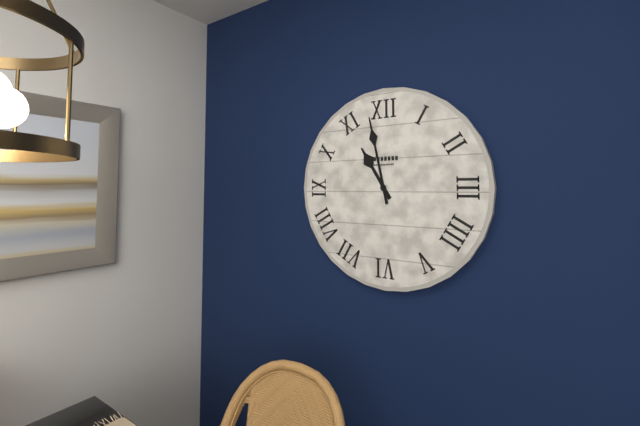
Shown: 10:58
